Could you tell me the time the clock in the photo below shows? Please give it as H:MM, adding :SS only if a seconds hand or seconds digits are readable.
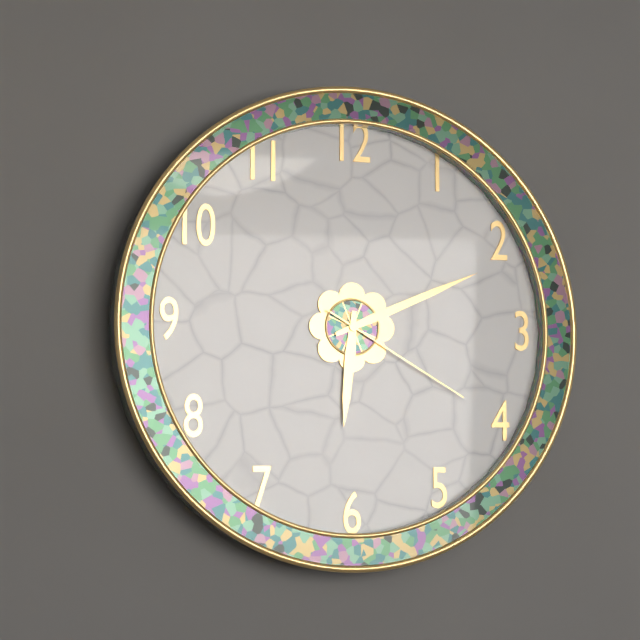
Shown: 6:11:20
